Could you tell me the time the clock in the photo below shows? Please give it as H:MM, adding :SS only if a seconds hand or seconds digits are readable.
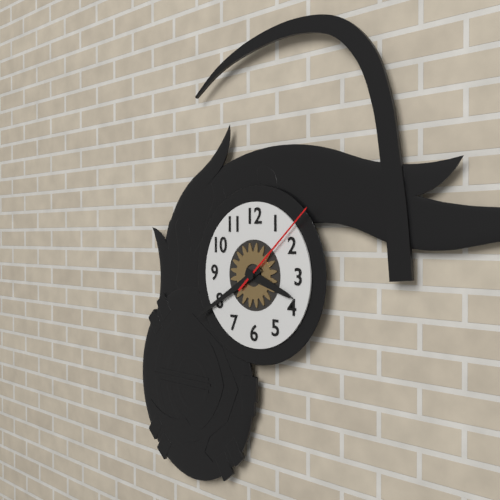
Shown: 3:40:08
